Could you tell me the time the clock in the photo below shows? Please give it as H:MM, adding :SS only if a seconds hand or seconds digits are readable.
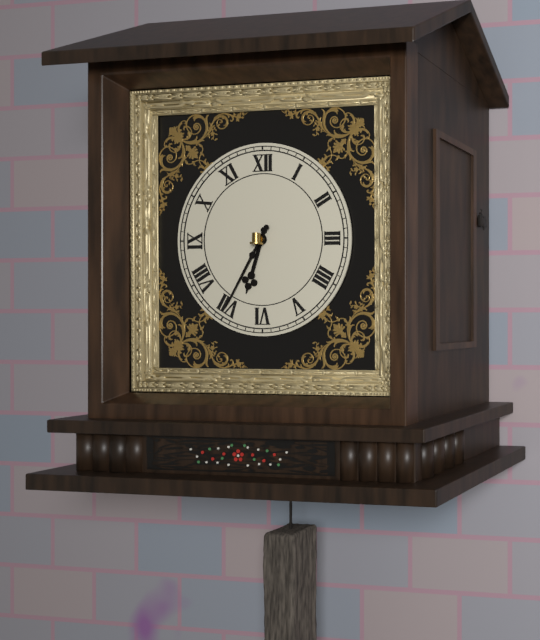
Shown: 6:35
